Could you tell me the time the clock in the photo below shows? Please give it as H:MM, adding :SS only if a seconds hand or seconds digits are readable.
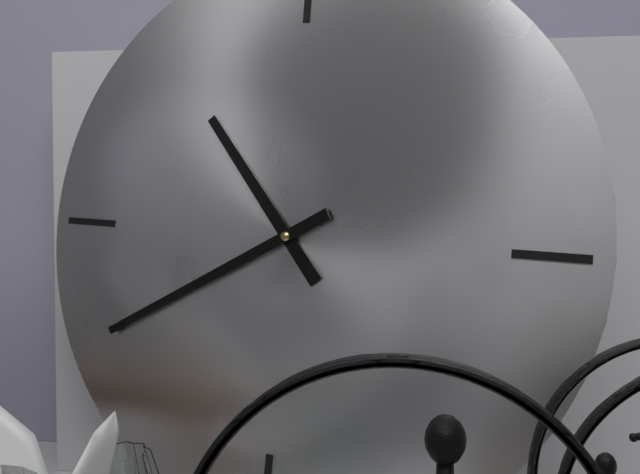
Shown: 10:40
